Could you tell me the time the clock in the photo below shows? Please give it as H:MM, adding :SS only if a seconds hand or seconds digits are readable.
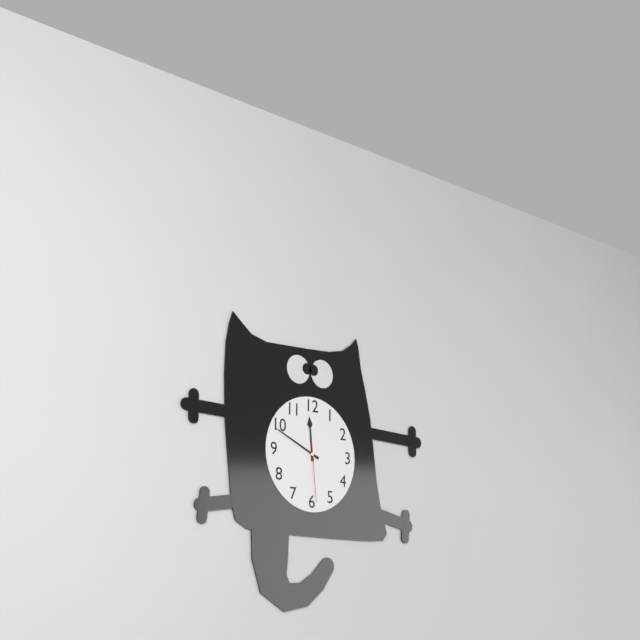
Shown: 11:49:29
